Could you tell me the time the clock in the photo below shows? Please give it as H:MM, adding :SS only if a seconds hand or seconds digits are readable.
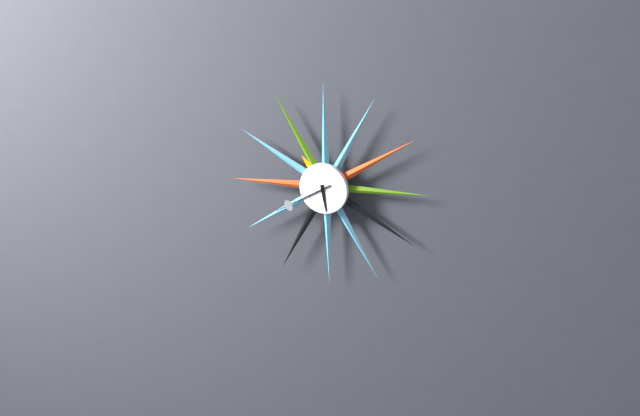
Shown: 5:40
